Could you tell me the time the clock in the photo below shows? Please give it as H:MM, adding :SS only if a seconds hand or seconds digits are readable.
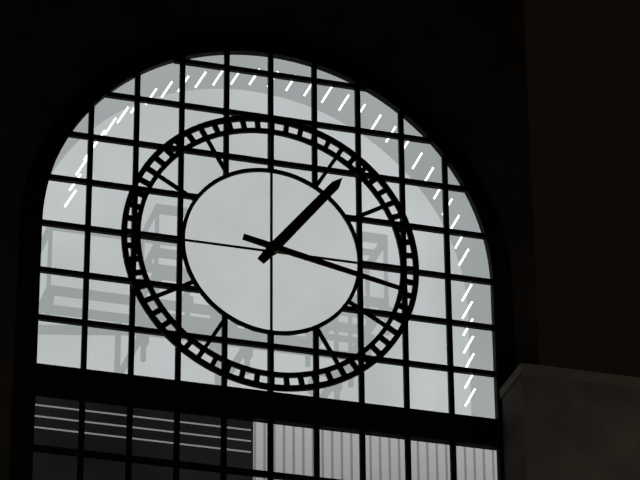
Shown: 1:17
